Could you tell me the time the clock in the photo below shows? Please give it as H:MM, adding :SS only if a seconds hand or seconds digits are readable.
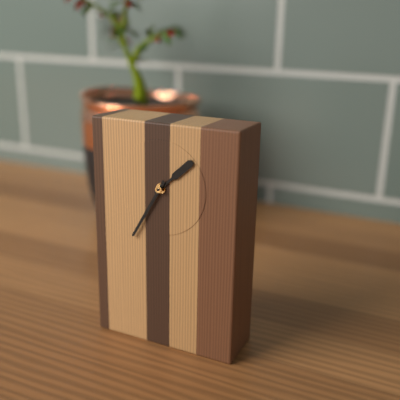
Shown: 1:35
